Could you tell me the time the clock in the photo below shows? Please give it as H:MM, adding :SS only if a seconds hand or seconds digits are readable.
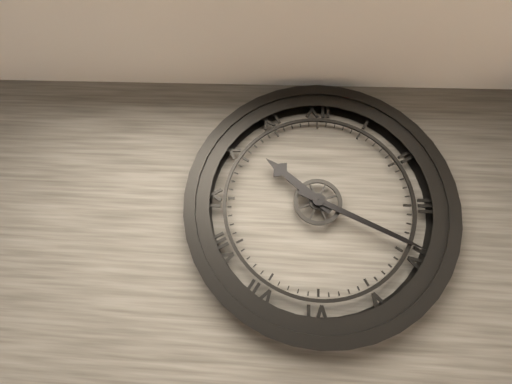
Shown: 10:19
